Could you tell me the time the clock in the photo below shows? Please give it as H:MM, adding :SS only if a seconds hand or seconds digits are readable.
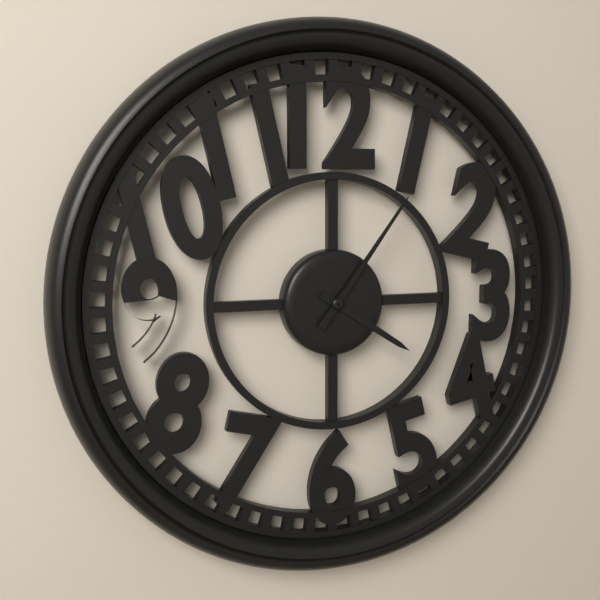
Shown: 4:06
